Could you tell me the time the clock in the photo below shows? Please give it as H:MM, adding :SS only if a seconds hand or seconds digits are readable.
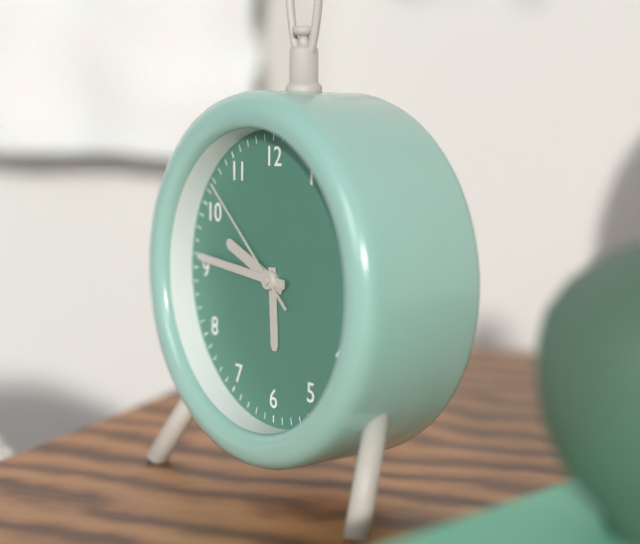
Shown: 9:46:52
